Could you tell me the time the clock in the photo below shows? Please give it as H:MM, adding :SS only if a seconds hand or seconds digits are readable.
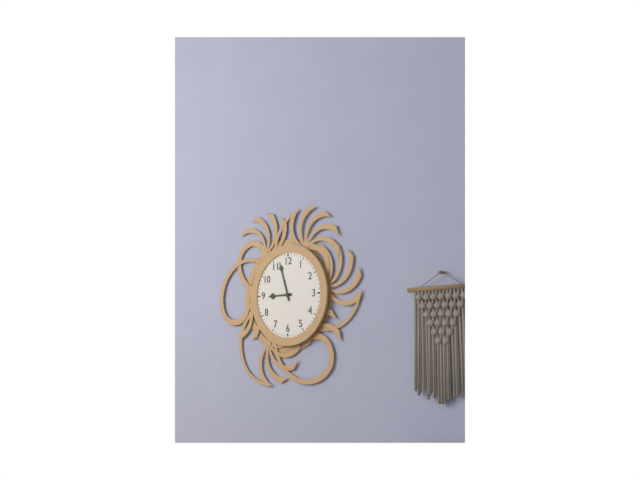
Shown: 8:57
